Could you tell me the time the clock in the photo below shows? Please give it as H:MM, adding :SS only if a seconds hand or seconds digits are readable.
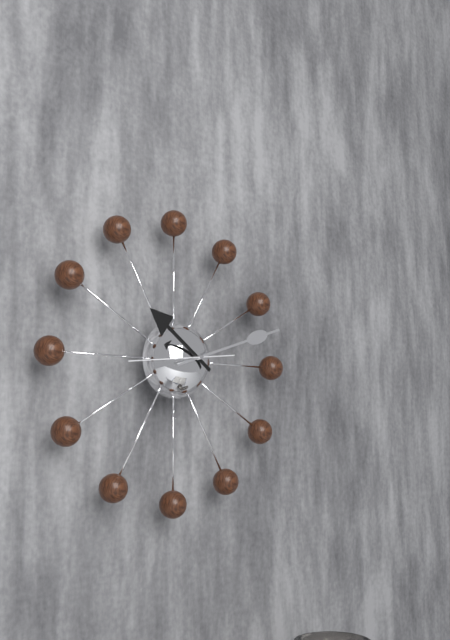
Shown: 10:12:44
